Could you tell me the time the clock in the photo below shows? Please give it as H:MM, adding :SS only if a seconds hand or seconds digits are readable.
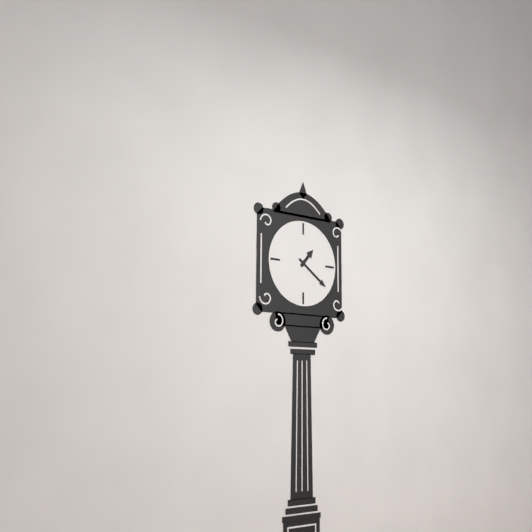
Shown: 1:21
